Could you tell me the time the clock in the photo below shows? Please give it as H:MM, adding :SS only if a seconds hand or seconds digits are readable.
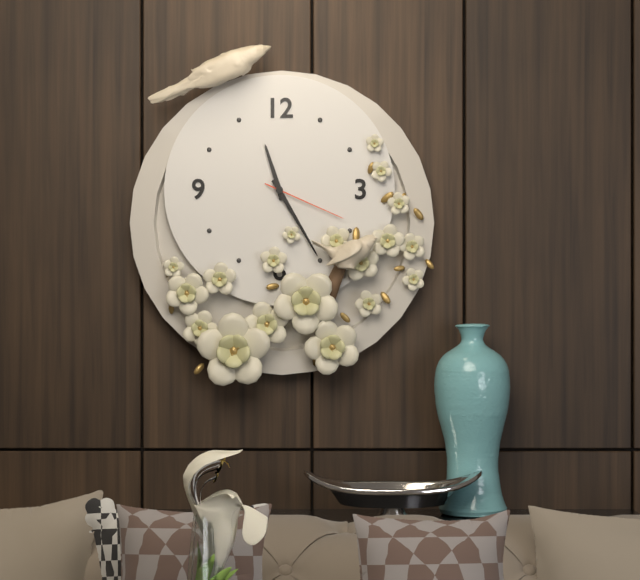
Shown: 11:25:19
